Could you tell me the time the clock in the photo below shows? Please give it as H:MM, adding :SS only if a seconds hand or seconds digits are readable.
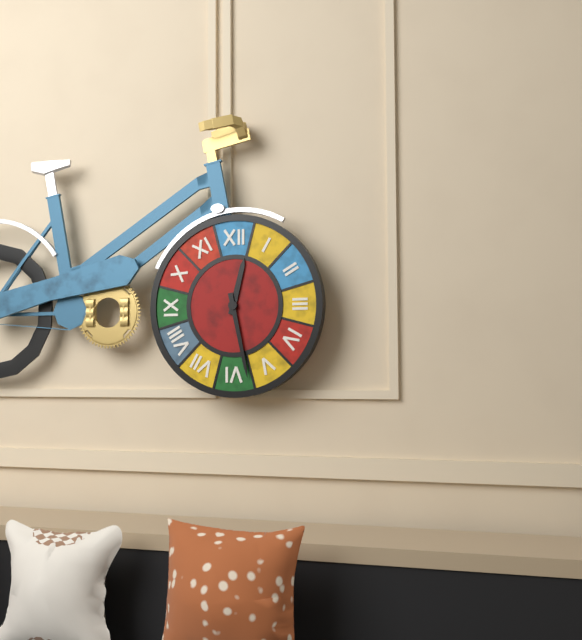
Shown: 12:28
